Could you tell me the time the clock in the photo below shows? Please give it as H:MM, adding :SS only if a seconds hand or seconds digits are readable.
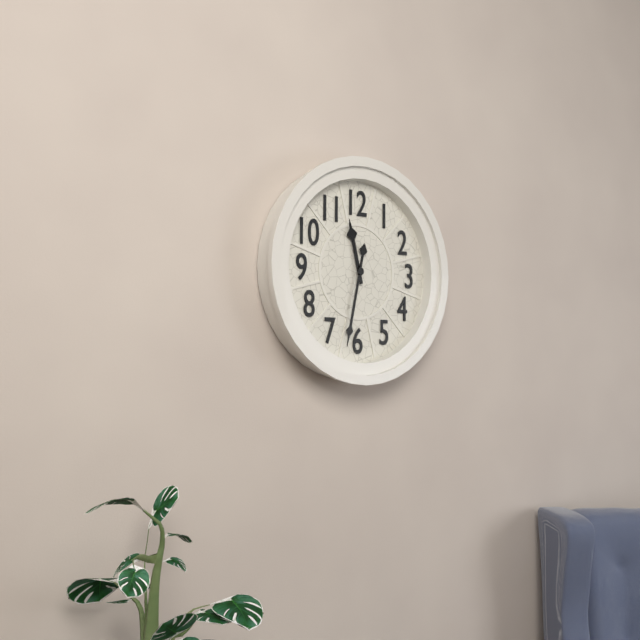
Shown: 11:32
